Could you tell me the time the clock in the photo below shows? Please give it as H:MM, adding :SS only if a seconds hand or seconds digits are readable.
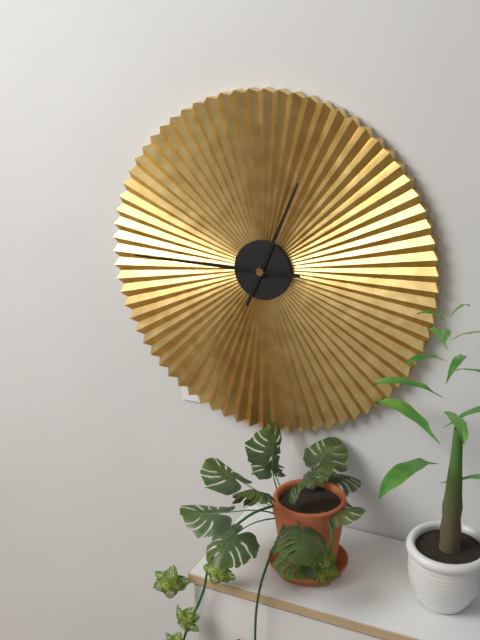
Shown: 12:45
